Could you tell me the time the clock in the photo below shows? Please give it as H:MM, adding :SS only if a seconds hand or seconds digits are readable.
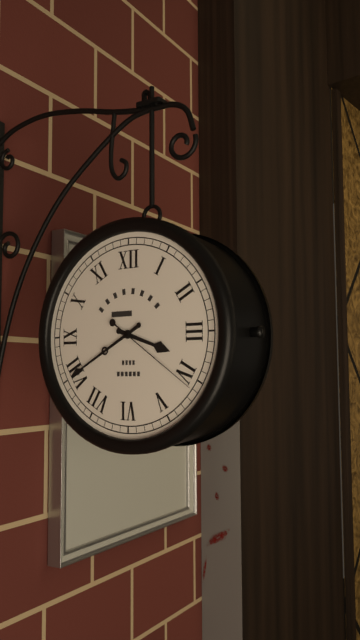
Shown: 3:40:21
